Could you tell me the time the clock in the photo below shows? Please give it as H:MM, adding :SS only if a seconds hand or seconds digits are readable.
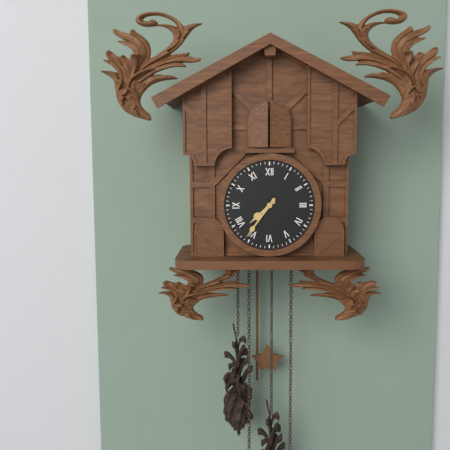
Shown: 7:36
